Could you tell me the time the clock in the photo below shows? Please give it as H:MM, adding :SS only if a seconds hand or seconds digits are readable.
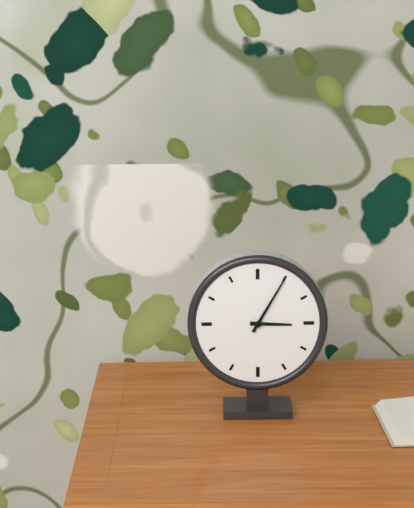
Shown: 3:05
